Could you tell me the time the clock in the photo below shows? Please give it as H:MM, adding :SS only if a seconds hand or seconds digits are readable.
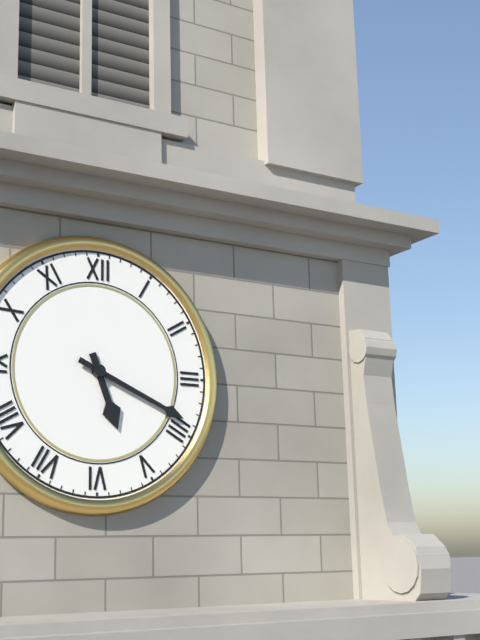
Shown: 5:19
